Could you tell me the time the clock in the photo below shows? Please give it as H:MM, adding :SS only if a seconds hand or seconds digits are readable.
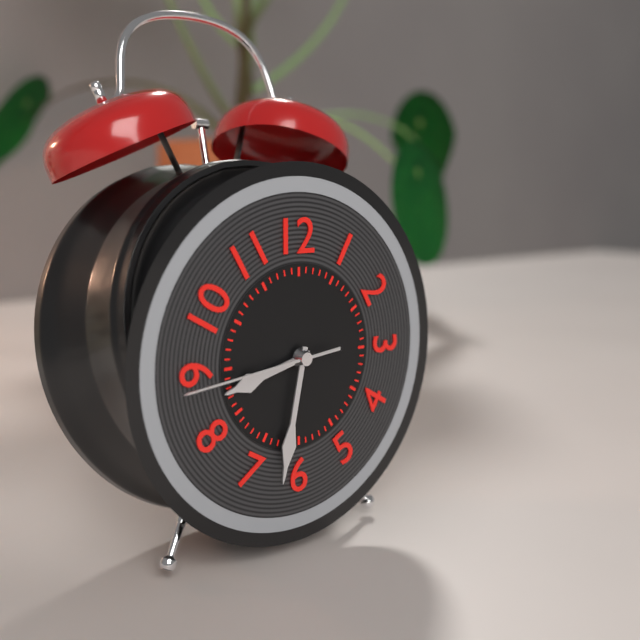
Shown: 8:32:44
